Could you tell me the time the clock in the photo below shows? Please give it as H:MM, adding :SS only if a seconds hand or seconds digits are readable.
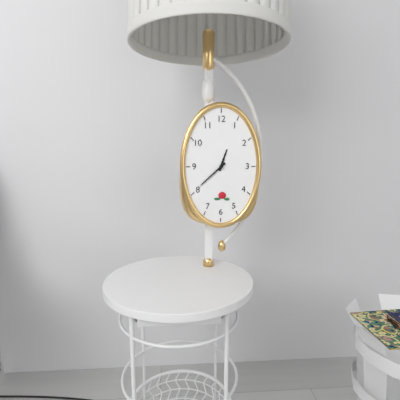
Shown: 12:38
